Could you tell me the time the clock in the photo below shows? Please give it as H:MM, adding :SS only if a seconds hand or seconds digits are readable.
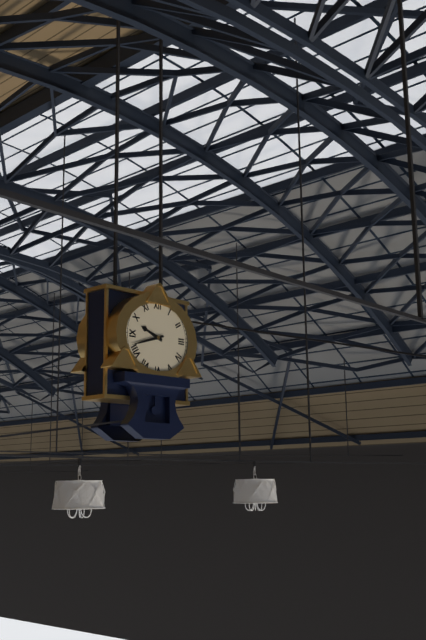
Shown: 9:42
